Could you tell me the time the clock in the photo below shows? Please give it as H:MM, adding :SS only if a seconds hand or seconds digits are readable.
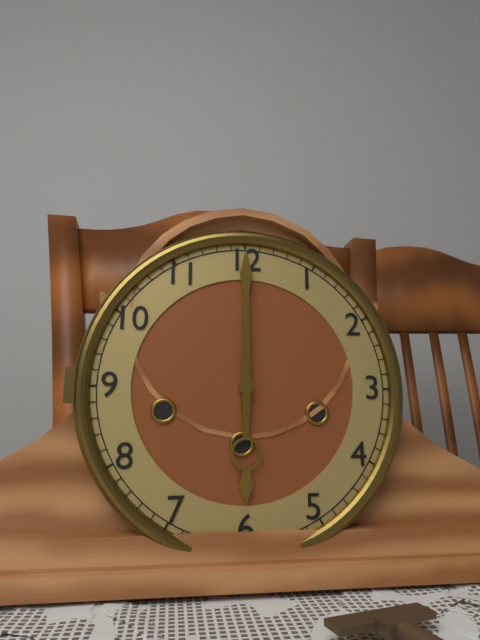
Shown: 6:00
